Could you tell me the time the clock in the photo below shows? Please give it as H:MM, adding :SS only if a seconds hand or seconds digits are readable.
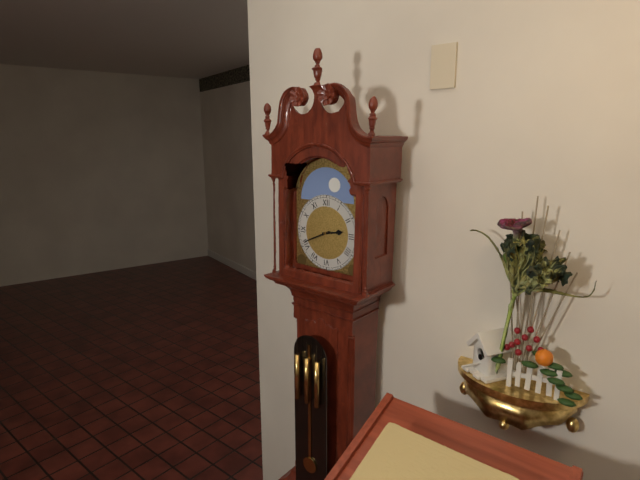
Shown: 2:41
